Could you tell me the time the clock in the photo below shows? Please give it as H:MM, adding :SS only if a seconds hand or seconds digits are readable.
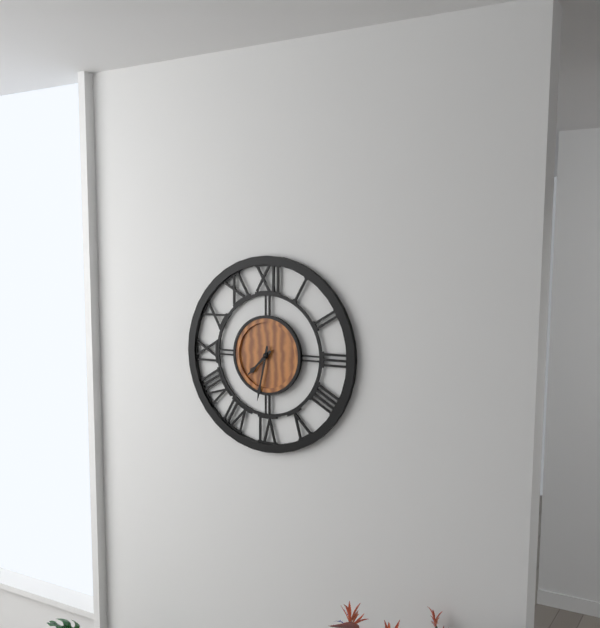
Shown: 7:32
